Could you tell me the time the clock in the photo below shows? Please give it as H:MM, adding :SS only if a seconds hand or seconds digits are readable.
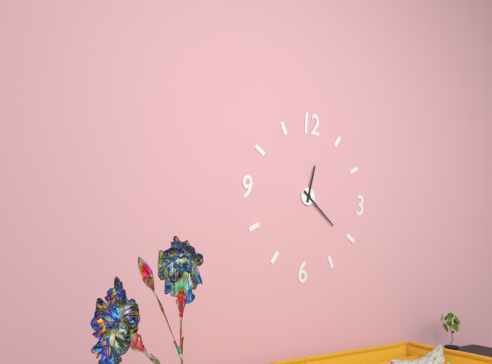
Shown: 12:21
